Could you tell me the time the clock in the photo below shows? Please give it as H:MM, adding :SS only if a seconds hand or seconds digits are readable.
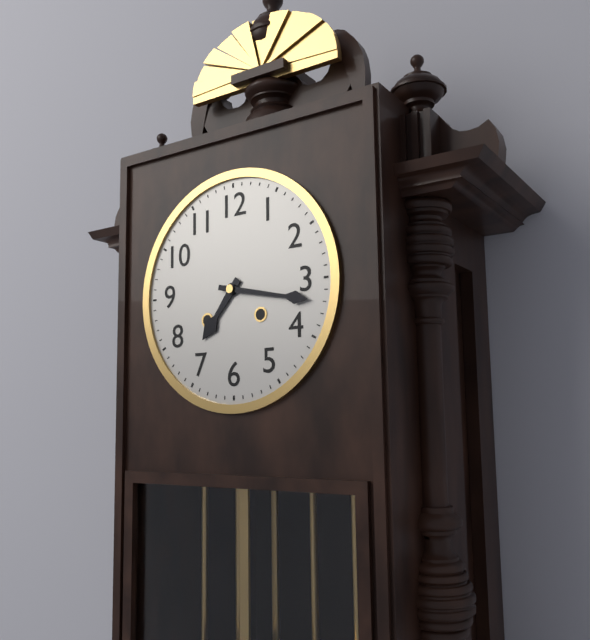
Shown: 7:17
